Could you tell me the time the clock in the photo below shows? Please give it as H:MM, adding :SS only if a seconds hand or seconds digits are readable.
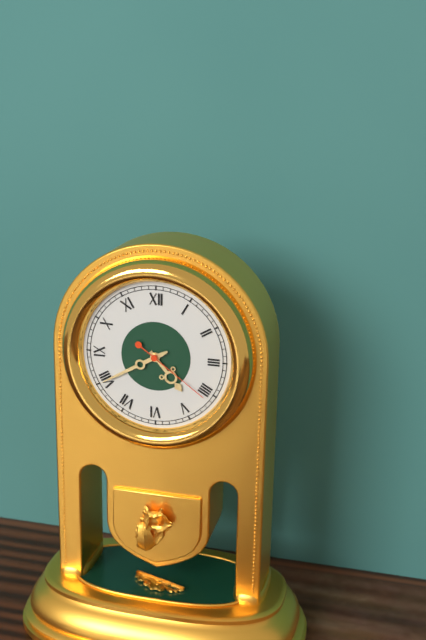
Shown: 4:40:21
